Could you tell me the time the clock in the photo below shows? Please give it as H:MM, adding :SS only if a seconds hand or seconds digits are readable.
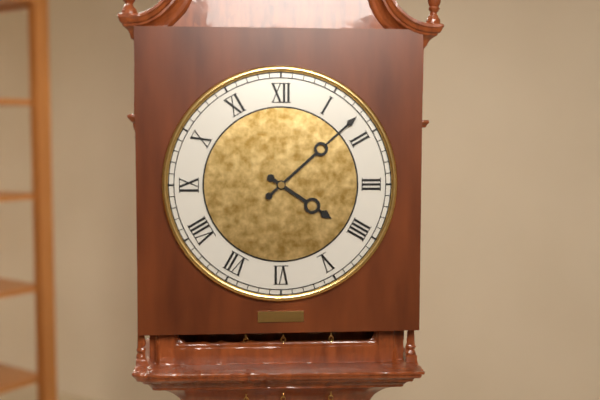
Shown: 4:08
